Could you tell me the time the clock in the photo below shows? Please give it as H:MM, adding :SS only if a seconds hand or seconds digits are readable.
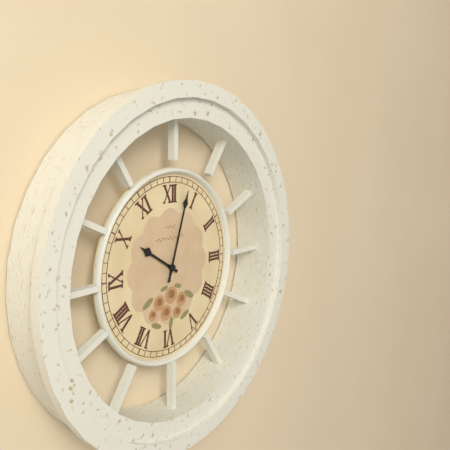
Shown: 10:03
